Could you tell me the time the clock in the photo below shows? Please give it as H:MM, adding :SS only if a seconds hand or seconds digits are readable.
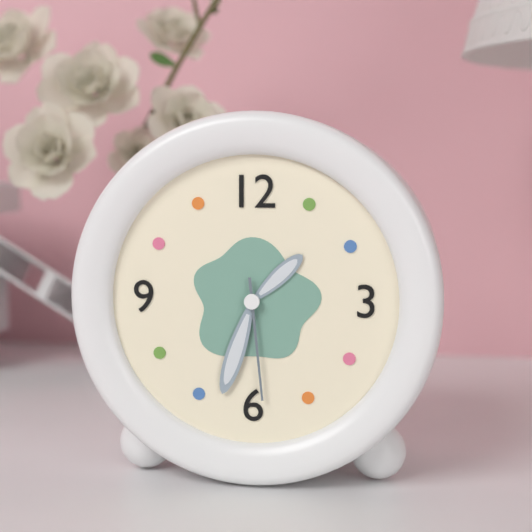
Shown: 1:33:29
